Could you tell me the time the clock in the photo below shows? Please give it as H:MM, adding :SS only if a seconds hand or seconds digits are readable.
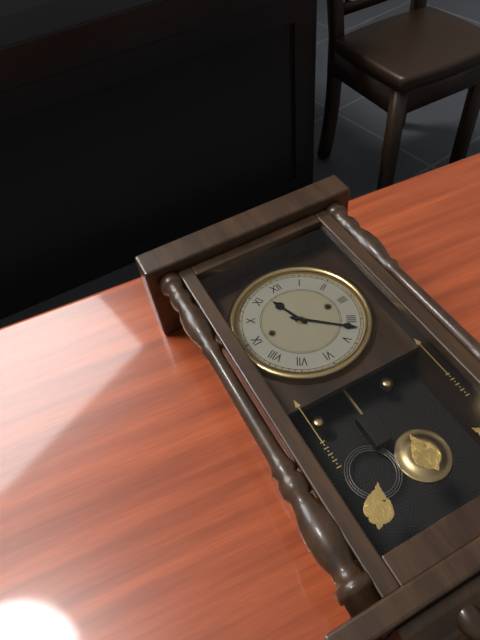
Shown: 11:22
